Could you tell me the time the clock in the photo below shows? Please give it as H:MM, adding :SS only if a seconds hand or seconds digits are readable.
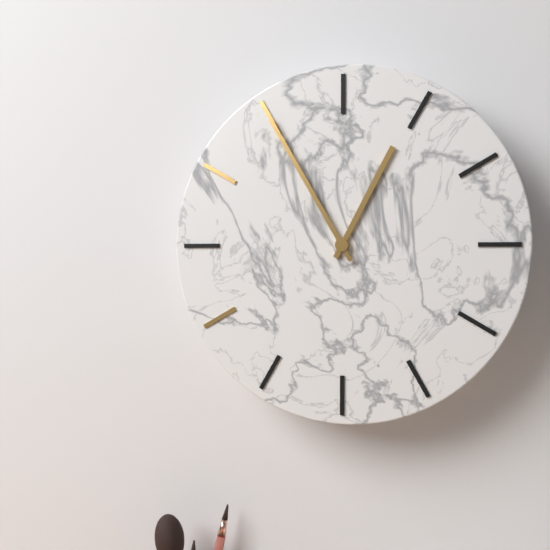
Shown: 12:55
